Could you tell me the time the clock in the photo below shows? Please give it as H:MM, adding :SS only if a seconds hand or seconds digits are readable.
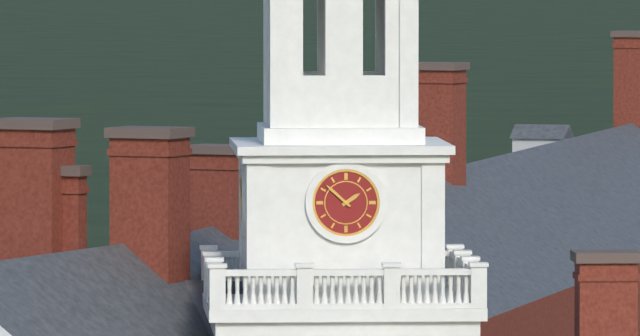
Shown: 1:52
